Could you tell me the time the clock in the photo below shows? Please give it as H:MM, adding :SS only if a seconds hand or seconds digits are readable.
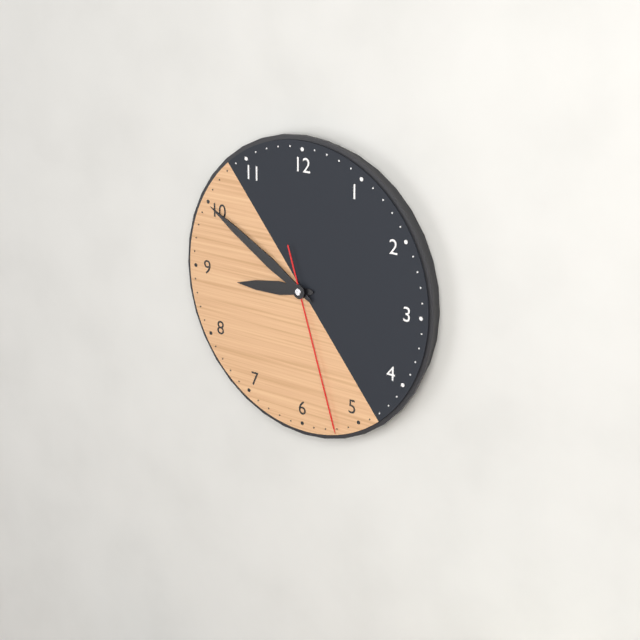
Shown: 8:50:27
